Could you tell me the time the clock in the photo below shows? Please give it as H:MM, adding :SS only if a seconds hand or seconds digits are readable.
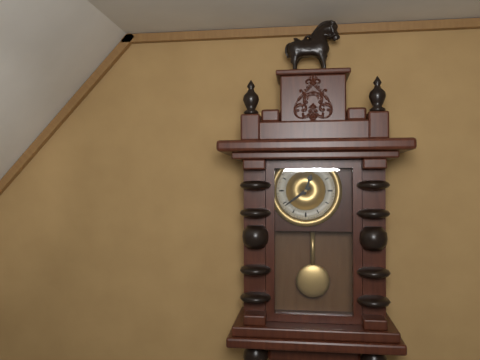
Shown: 12:39
